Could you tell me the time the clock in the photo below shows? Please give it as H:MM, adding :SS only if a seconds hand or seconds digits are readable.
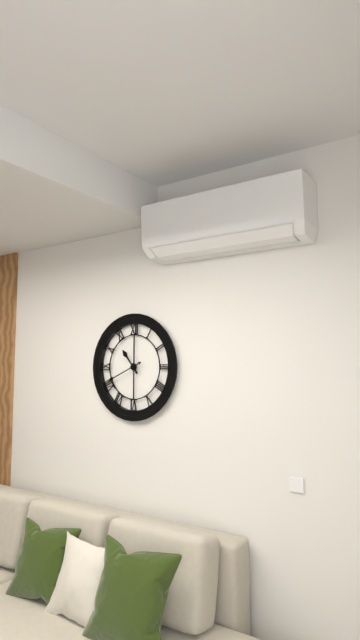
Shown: 10:41
